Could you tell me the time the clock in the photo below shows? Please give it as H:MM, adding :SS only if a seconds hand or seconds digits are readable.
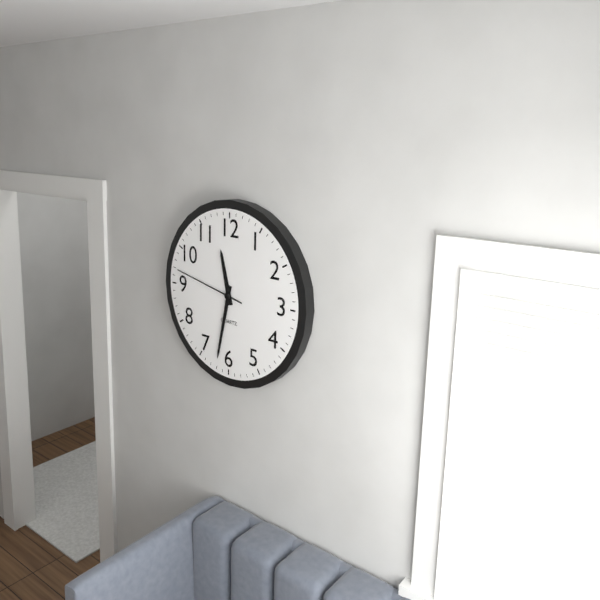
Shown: 11:32:47
